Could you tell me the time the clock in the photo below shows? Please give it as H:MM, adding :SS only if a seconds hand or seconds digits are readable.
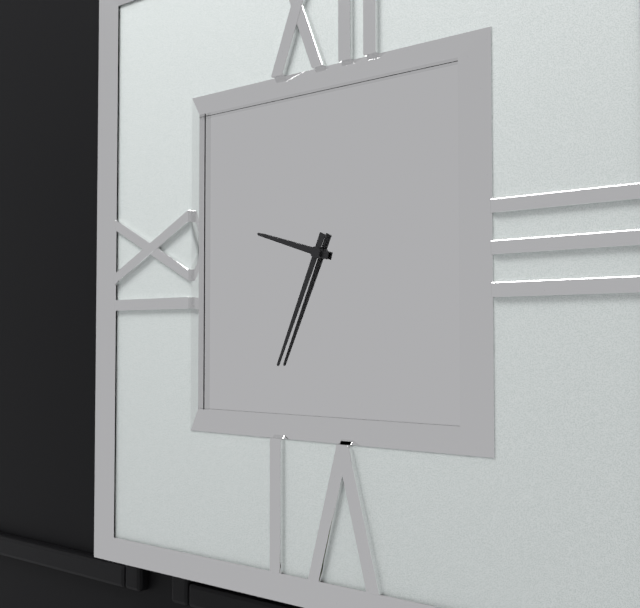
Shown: 9:34
